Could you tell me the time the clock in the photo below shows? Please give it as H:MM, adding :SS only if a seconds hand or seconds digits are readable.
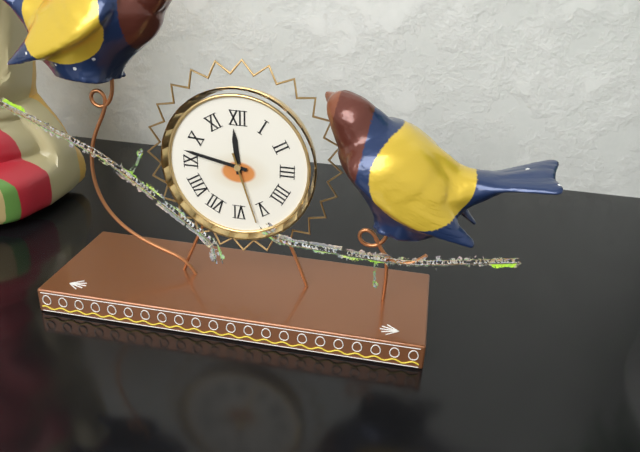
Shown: 11:47:27
